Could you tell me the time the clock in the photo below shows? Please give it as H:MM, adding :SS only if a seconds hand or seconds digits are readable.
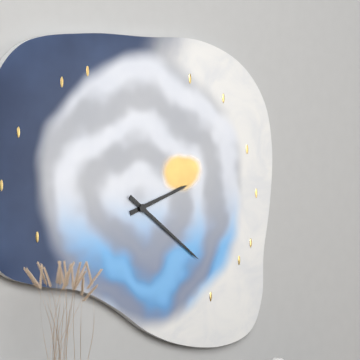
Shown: 2:21
